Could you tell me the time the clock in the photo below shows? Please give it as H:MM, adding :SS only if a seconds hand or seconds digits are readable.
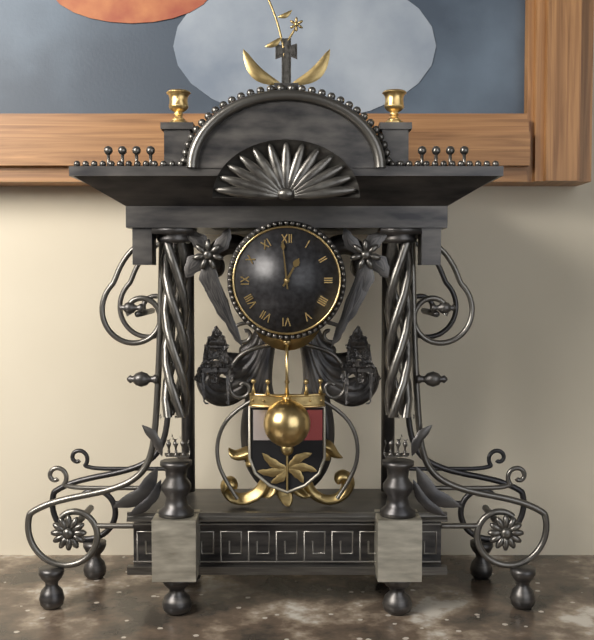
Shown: 12:59
